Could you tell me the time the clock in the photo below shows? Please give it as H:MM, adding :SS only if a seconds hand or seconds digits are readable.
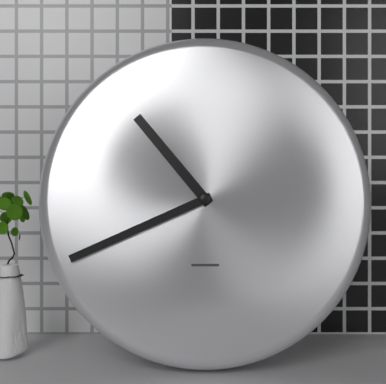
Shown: 10:41
